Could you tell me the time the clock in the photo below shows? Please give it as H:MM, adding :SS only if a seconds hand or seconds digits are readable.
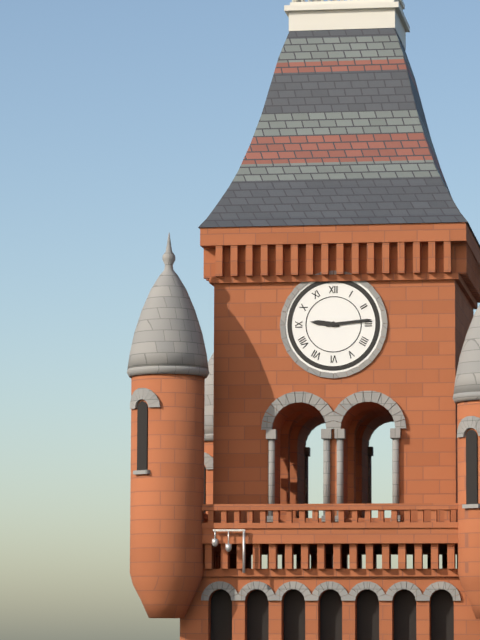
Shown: 9:14
